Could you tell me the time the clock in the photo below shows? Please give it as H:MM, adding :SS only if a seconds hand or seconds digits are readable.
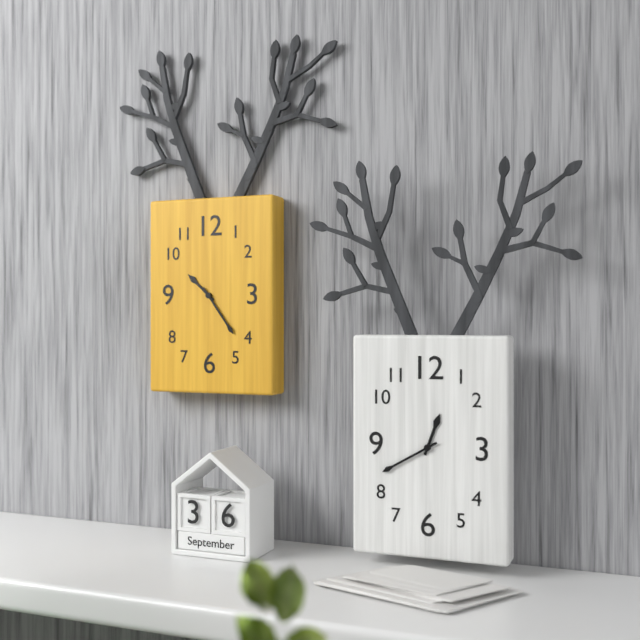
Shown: 10:24
